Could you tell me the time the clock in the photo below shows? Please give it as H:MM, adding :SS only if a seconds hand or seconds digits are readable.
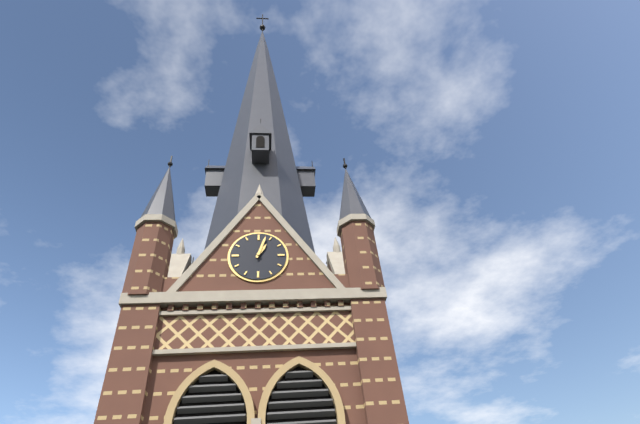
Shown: 1:03
